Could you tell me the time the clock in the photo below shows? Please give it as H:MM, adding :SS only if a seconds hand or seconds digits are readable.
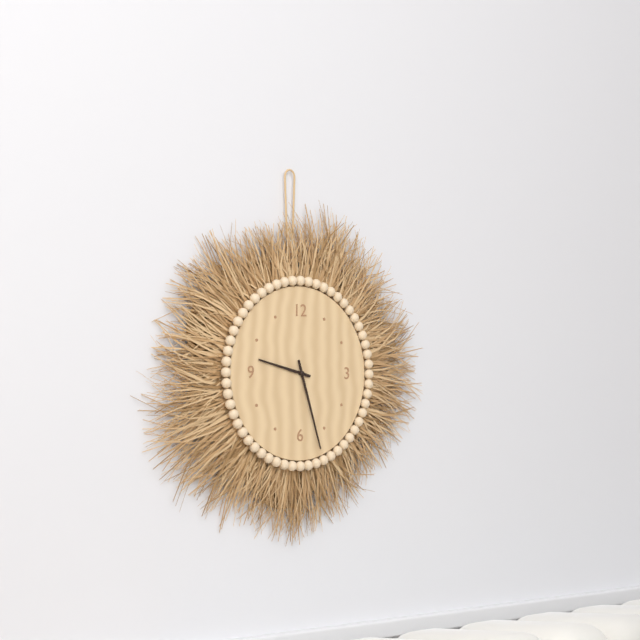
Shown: 9:27
